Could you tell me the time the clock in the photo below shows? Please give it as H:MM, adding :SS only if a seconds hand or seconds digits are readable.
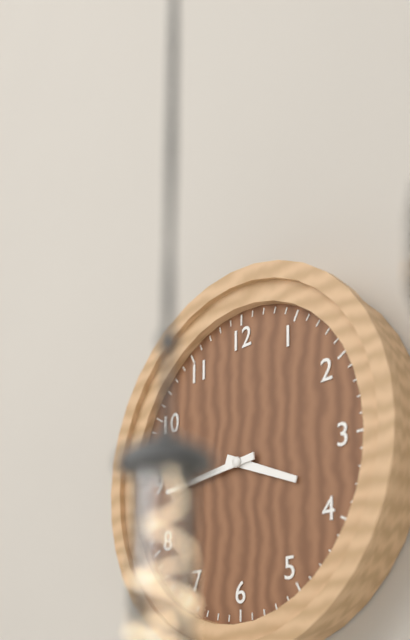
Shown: 3:44
